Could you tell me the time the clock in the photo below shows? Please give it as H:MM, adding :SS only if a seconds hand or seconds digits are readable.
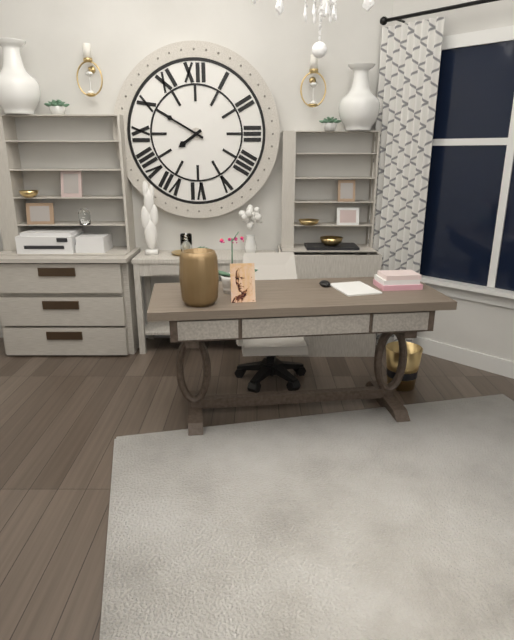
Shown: 7:50
